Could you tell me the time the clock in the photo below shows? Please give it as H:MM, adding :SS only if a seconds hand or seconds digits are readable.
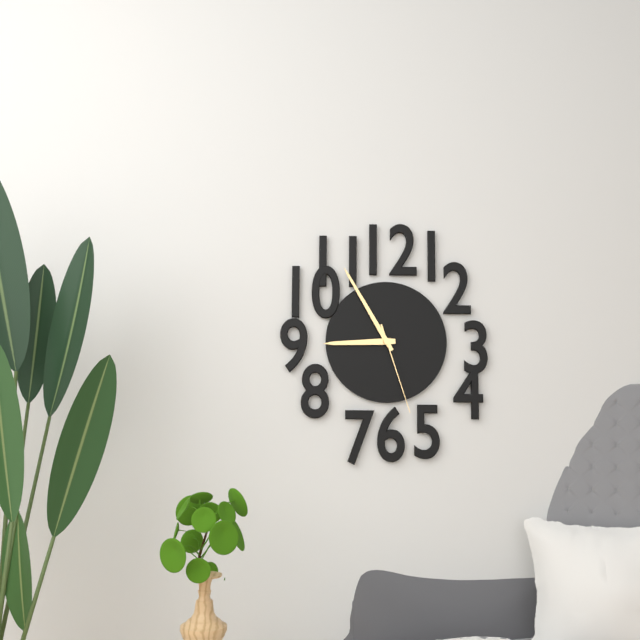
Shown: 8:55:27
